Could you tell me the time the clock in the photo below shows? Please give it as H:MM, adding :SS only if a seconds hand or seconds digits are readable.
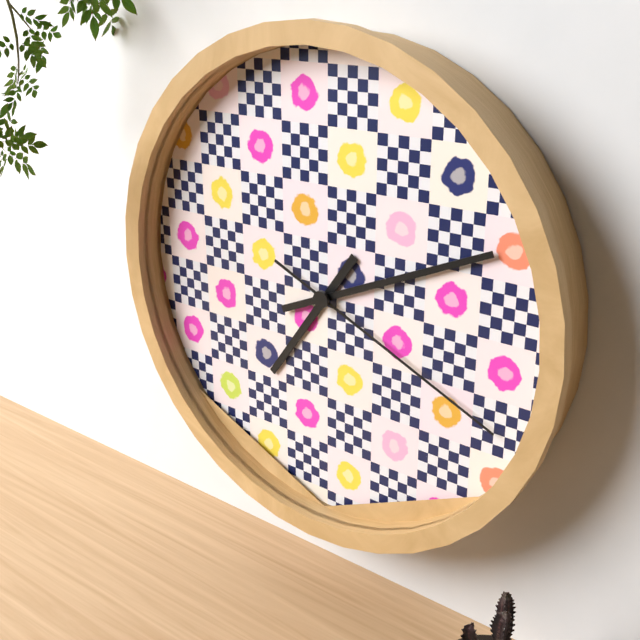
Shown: 7:11:19
